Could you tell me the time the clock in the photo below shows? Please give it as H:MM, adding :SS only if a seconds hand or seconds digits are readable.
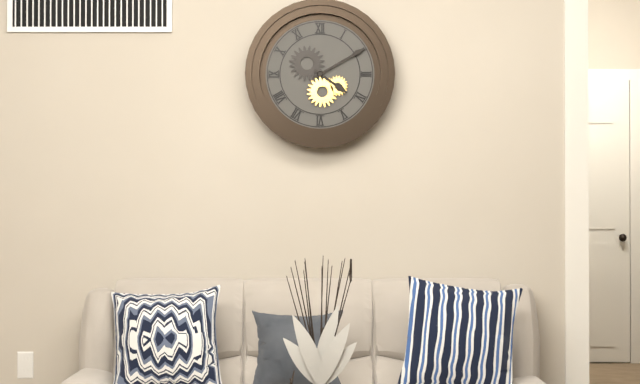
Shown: 4:10
